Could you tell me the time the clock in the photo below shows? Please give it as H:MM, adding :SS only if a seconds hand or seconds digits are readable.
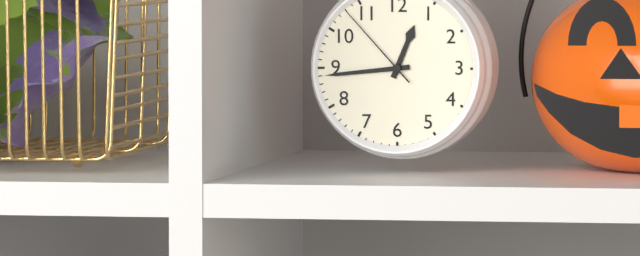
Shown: 12:44:53
